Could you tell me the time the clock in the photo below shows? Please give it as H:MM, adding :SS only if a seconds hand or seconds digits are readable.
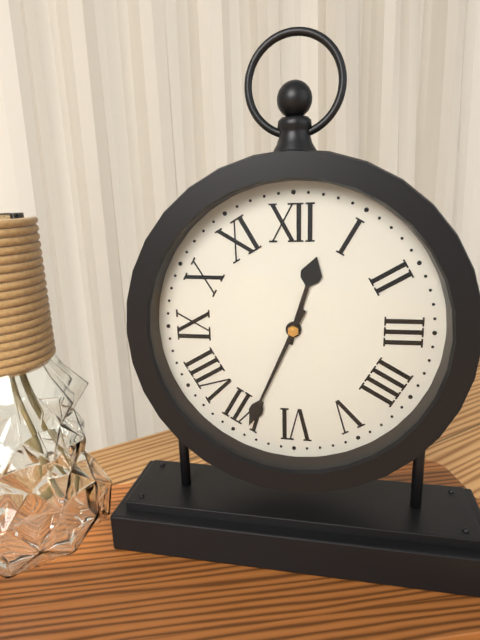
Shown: 12:34
